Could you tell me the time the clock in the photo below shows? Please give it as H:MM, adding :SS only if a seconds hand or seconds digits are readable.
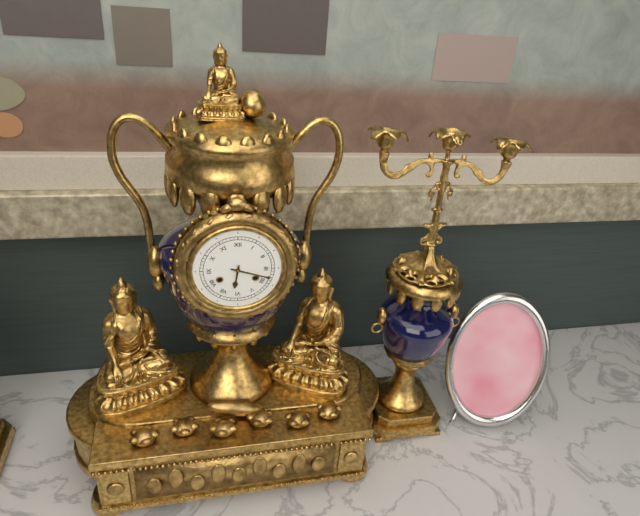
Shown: 6:18
